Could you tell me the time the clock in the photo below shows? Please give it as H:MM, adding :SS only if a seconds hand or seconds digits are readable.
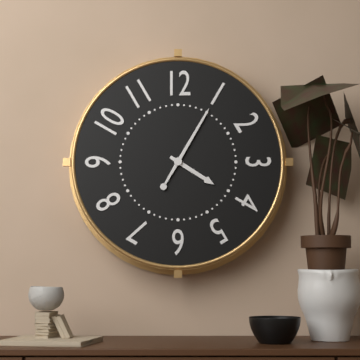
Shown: 4:05
